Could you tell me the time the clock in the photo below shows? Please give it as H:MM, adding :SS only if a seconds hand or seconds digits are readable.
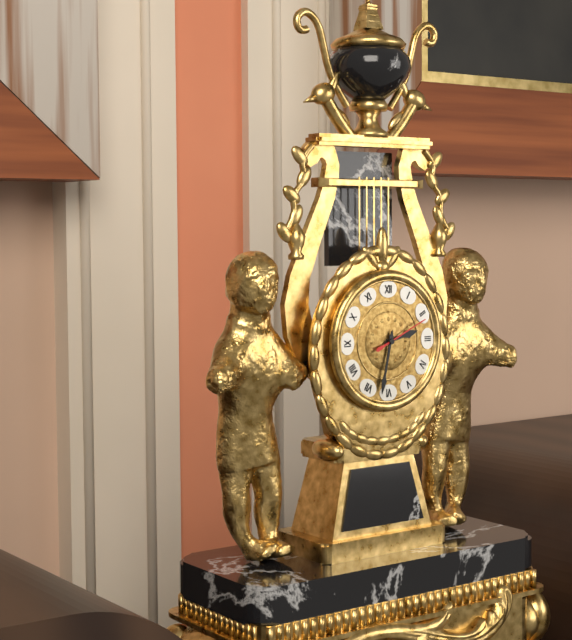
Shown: 2:32:11
